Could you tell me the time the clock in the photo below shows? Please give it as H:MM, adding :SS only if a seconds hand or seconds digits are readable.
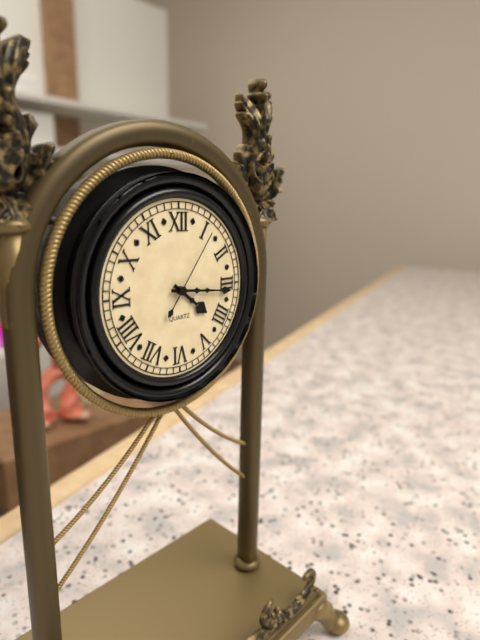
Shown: 4:16:06
